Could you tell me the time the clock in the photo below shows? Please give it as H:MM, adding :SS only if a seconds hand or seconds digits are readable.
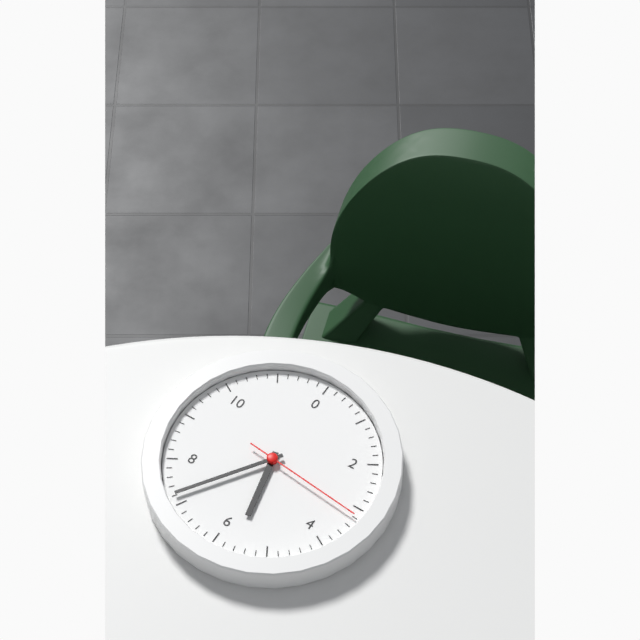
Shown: 5:36:16
